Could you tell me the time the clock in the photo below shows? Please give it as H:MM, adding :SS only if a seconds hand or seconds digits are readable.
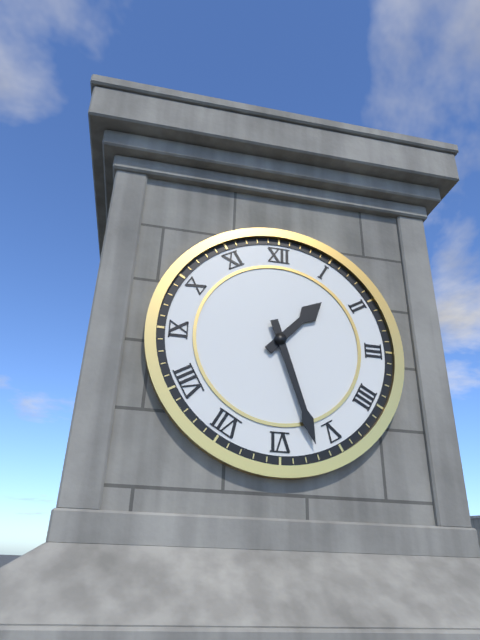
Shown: 1:27
